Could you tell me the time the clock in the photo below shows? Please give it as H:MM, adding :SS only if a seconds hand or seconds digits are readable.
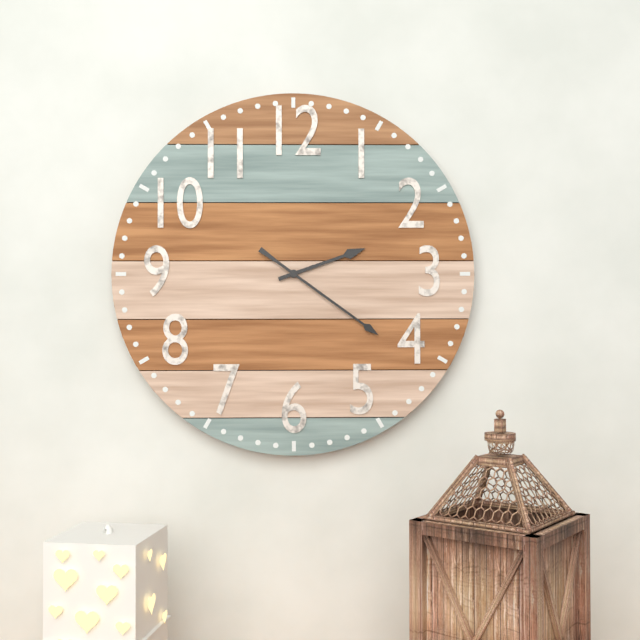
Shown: 2:21
